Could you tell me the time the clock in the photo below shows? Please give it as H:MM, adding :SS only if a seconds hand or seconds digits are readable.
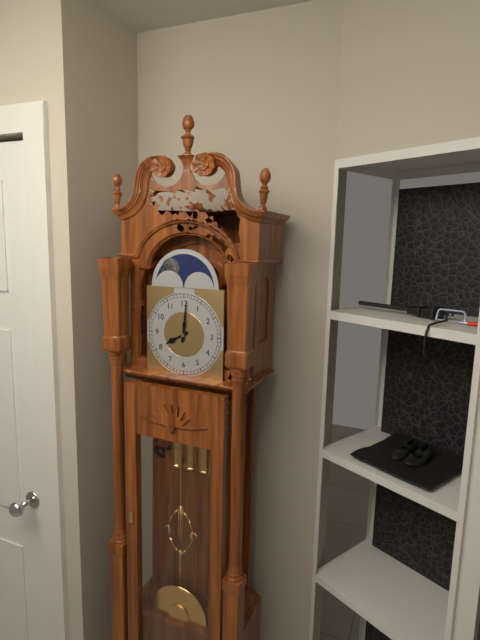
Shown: 8:01
